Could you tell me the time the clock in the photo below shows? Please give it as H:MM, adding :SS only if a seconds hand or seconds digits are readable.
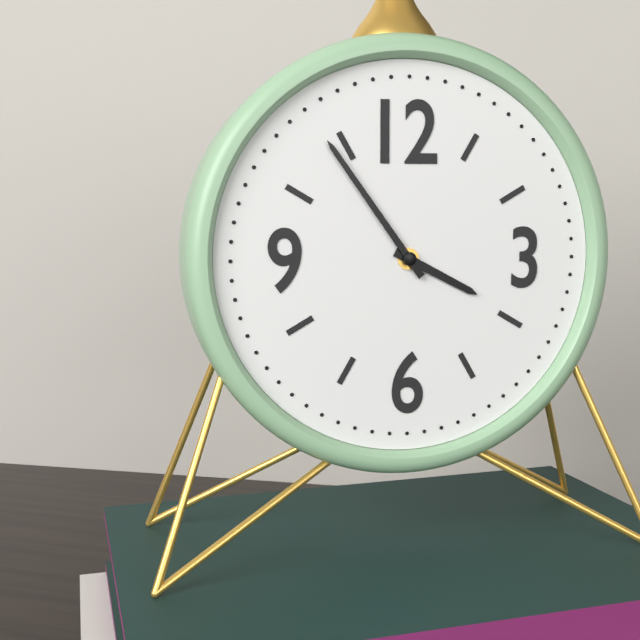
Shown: 3:54
